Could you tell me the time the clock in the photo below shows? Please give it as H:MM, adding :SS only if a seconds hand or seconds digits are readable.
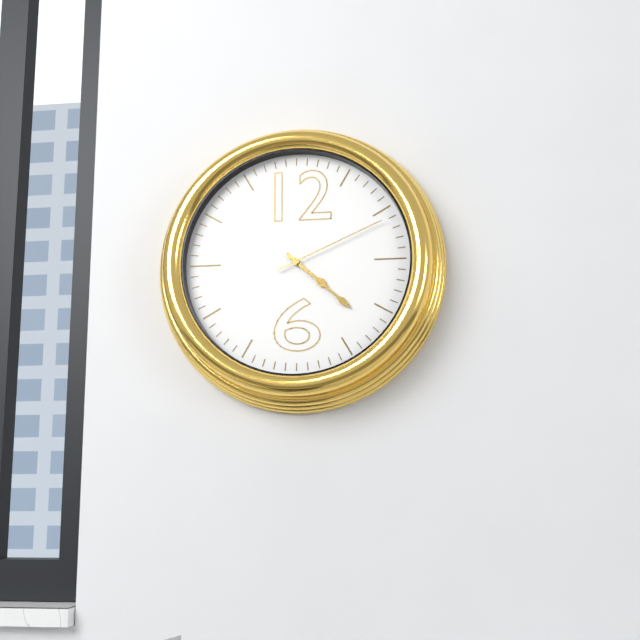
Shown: 4:22:11
